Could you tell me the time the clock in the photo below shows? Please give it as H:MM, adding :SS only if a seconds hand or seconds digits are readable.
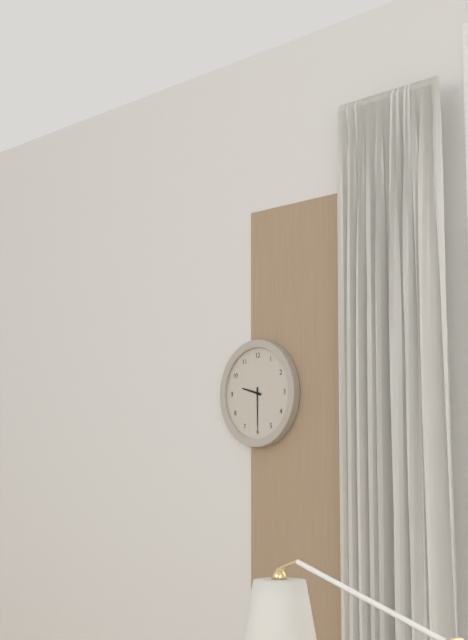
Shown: 9:30
